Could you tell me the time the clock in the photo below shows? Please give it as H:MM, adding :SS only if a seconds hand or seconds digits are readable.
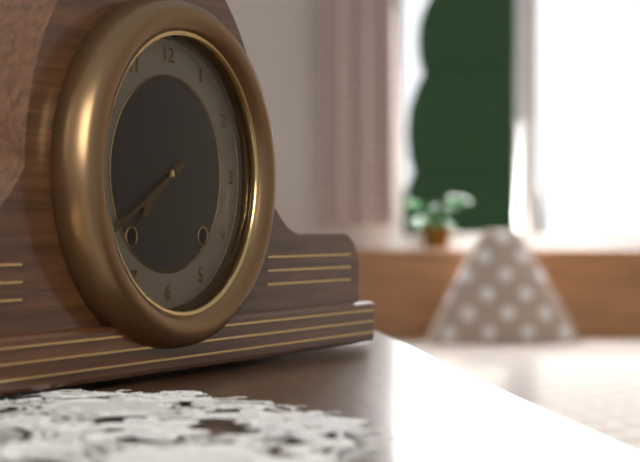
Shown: 7:40
